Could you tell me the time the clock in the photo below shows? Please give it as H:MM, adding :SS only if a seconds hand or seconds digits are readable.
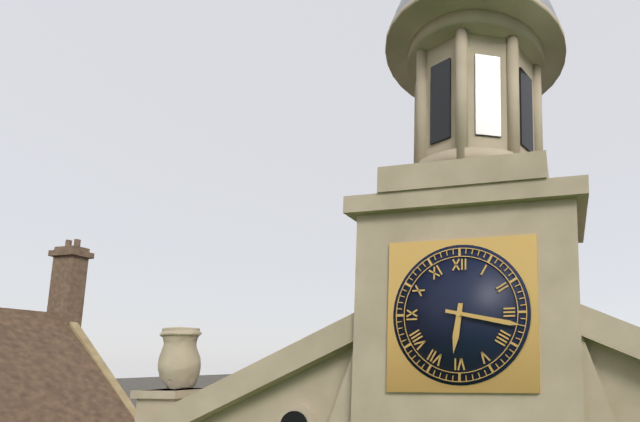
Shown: 6:17
